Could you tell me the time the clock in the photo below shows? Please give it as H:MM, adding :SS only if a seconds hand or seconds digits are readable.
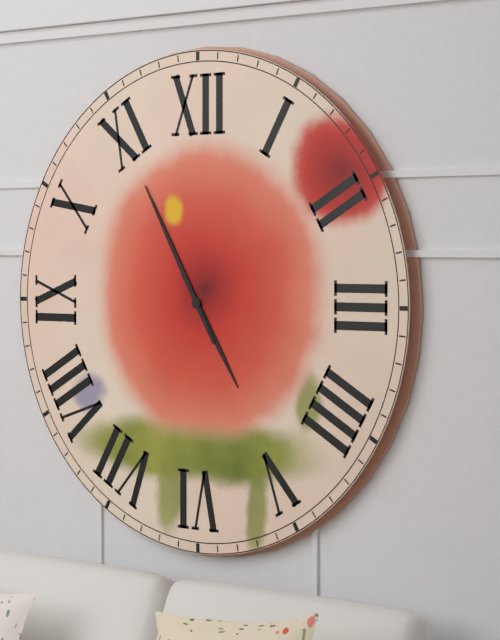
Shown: 4:55
